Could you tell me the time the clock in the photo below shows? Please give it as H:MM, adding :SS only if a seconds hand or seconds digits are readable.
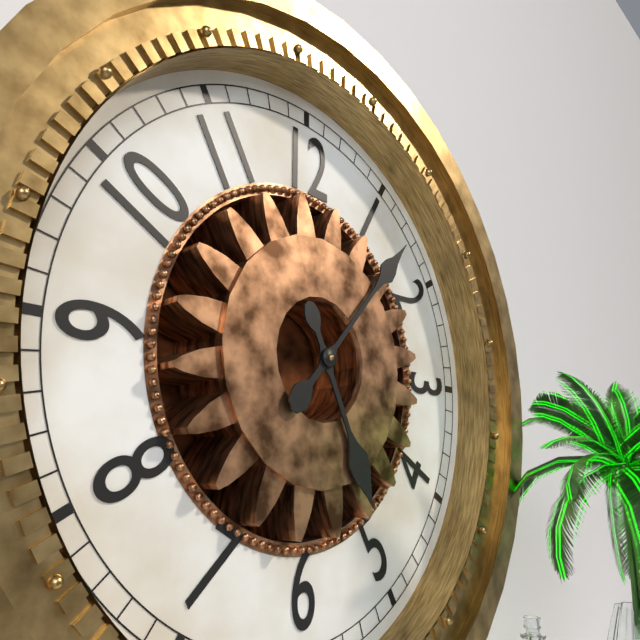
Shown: 5:07
